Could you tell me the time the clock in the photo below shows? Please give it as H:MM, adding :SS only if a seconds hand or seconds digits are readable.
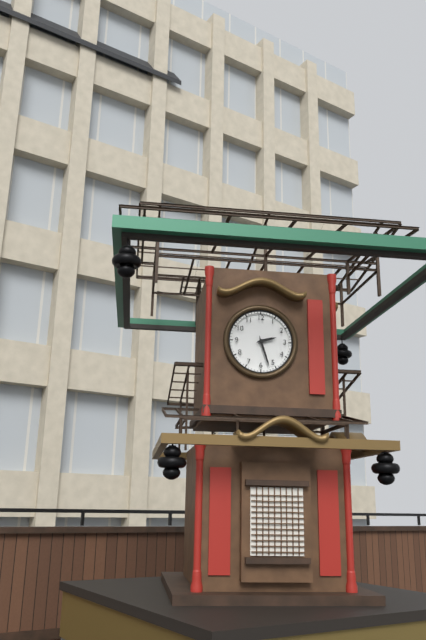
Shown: 2:27
